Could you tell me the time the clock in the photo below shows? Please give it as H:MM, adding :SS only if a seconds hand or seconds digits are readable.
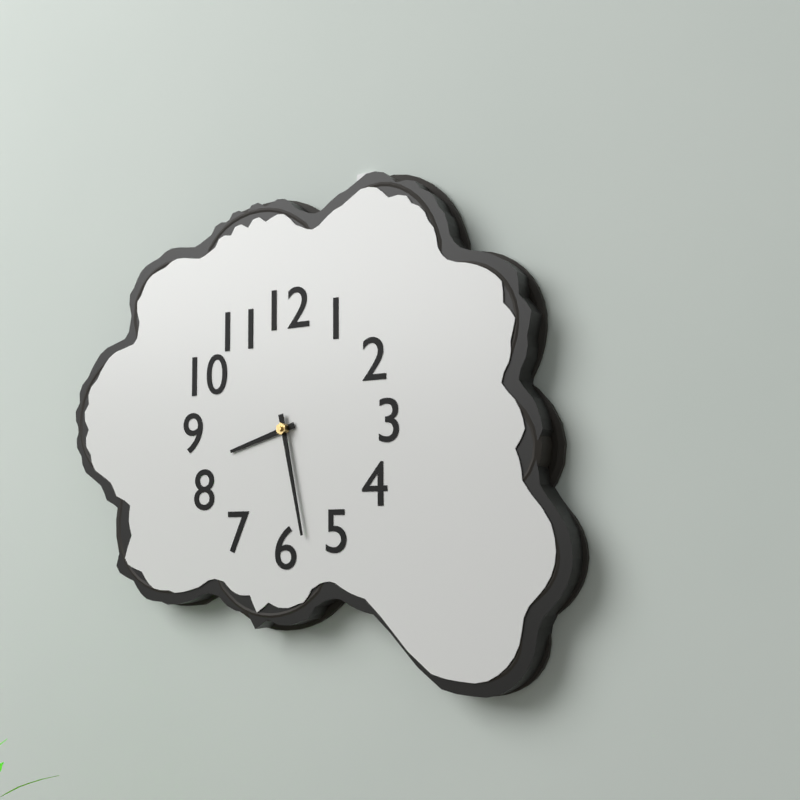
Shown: 8:28
